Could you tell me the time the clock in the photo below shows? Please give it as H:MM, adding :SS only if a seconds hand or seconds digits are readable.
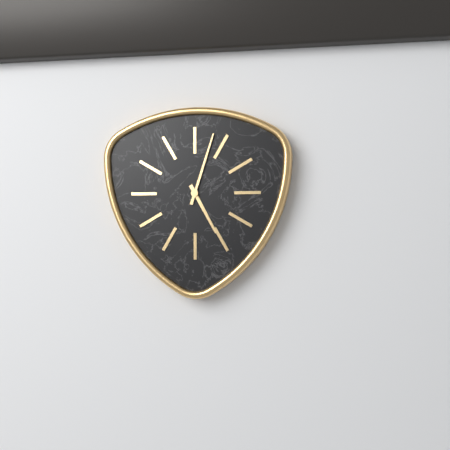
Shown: 5:03
